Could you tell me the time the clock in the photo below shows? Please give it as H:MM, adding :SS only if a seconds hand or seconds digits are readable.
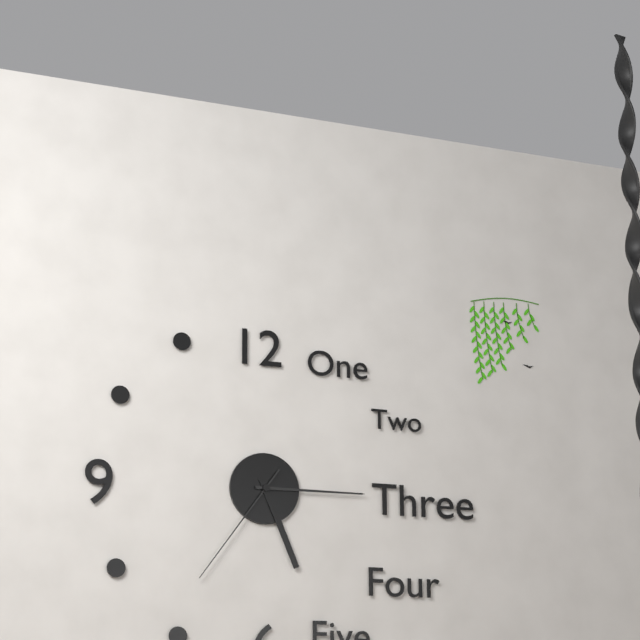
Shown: 5:15:36
